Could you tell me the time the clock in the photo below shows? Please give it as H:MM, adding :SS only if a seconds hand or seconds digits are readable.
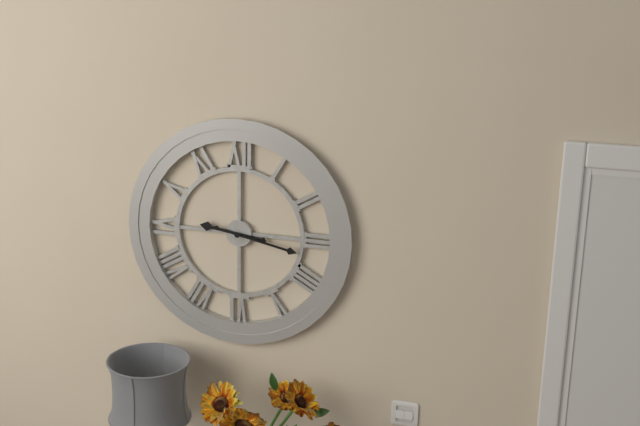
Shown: 9:17
